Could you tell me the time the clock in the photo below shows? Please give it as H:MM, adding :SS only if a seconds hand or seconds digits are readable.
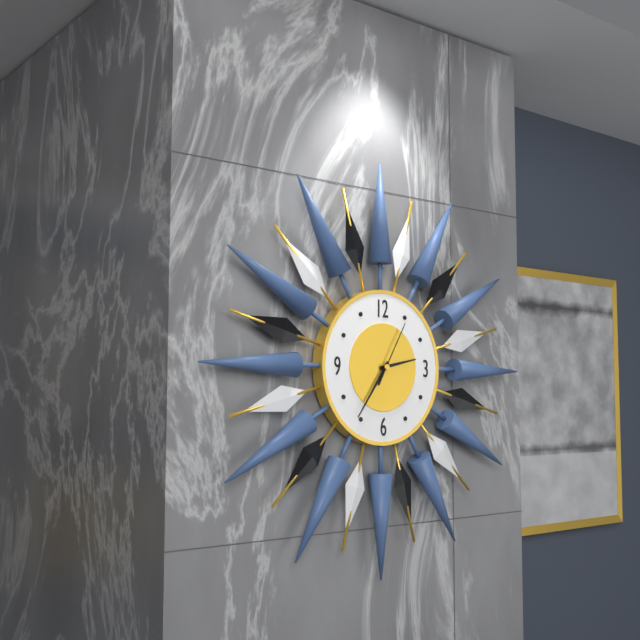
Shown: 2:36:05
